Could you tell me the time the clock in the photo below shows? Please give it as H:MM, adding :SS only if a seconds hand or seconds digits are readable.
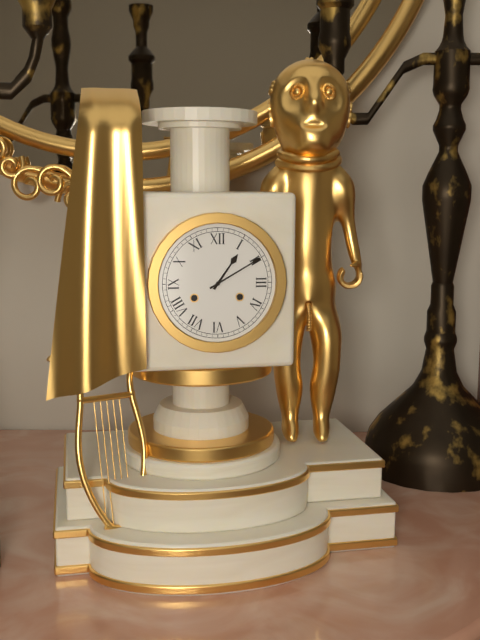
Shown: 1:10
